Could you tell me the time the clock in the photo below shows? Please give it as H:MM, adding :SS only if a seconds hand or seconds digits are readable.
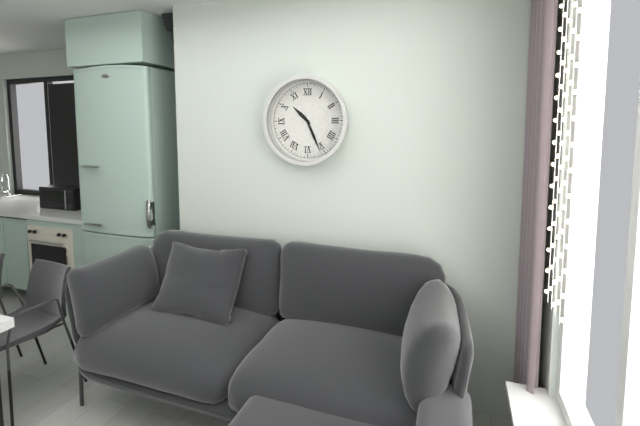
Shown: 10:26
